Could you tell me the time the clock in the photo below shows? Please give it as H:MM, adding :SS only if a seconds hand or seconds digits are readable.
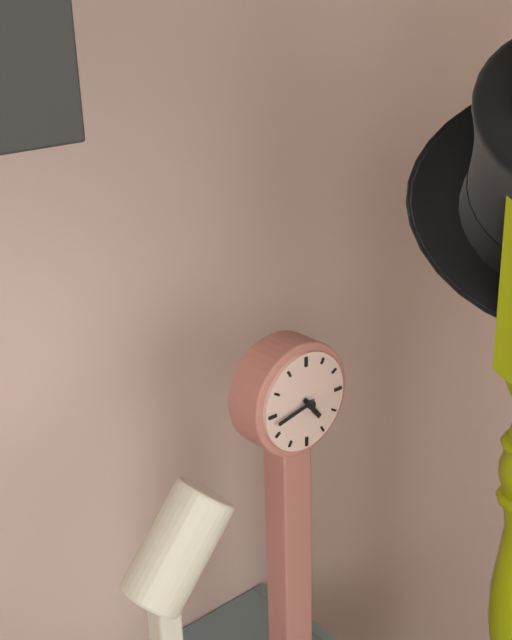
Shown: 4:43
